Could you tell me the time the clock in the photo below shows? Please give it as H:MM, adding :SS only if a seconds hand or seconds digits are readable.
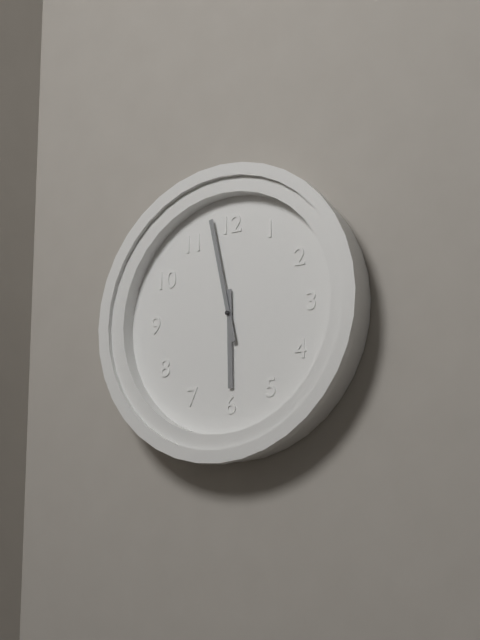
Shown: 5:58
